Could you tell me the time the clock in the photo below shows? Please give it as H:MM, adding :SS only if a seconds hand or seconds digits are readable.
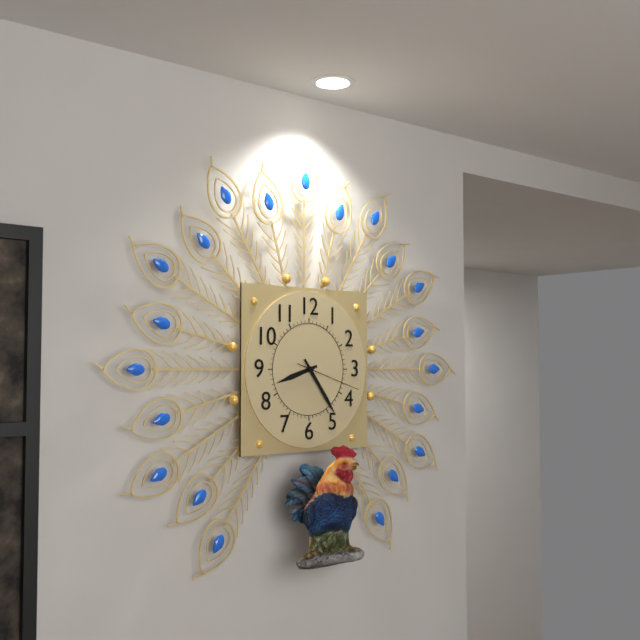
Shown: 8:24:18
